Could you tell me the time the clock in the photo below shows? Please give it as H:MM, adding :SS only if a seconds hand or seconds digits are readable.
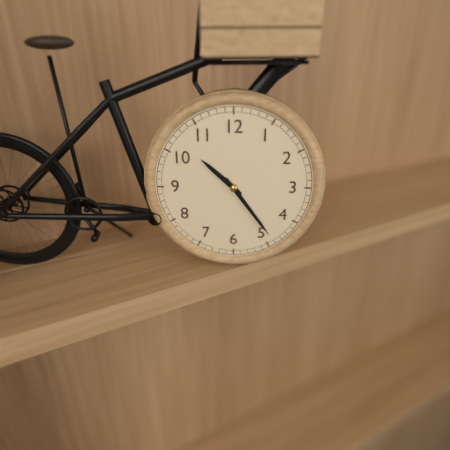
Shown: 10:24
